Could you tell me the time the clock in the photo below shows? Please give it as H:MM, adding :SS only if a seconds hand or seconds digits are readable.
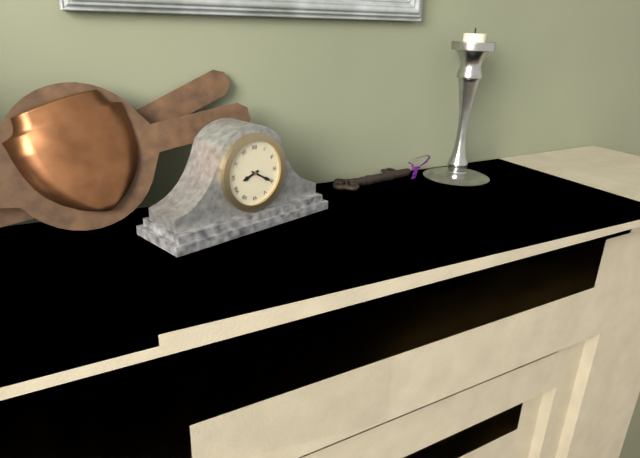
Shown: 8:20
